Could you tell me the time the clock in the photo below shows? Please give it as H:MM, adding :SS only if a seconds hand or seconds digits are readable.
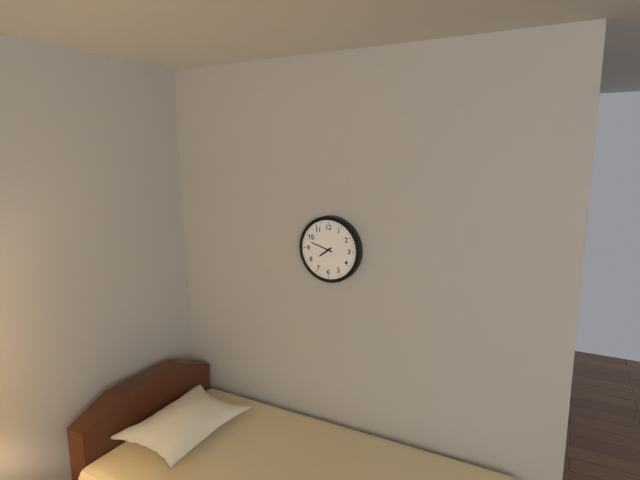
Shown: 7:48
